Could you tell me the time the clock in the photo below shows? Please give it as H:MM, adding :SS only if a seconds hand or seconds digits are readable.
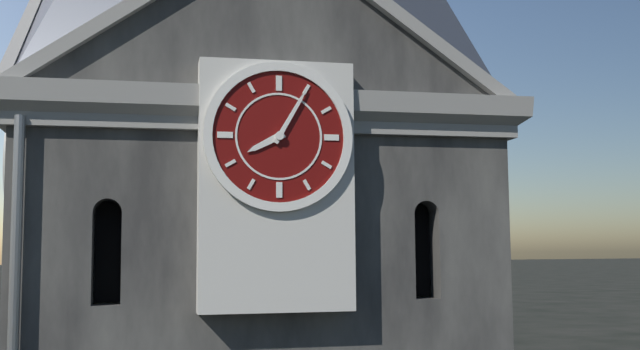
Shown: 8:05
